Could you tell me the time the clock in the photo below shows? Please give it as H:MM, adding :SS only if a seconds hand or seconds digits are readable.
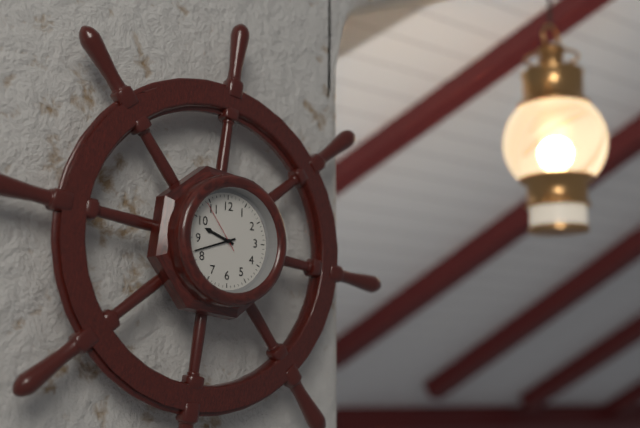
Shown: 9:42:54
